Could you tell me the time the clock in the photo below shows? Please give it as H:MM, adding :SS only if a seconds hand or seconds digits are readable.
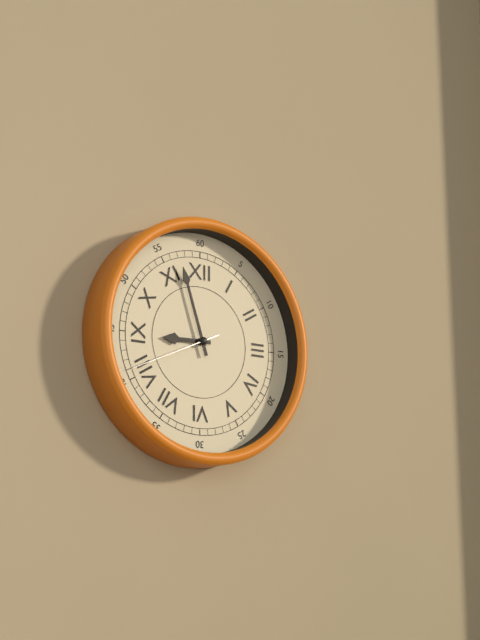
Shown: 8:57:41
